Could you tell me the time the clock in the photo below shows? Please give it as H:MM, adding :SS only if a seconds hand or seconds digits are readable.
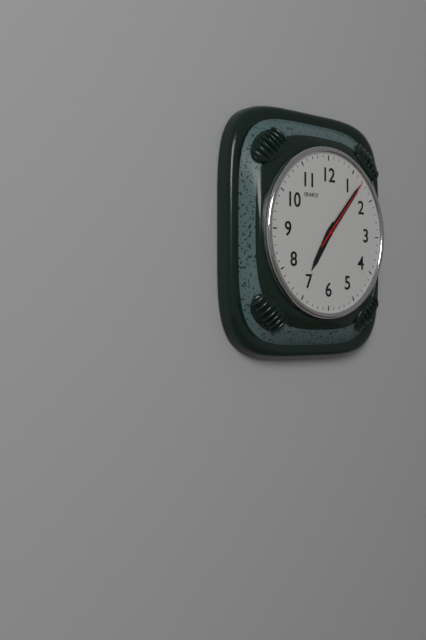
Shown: 7:07:07
